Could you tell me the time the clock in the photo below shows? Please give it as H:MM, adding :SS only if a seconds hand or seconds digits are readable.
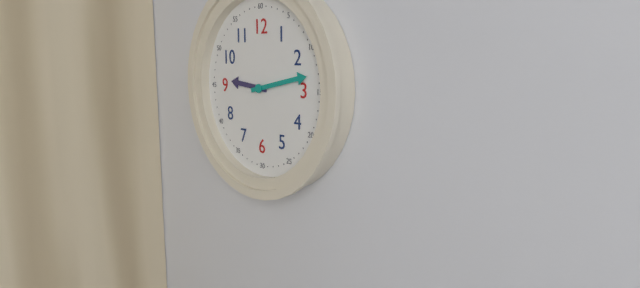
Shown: 9:13
